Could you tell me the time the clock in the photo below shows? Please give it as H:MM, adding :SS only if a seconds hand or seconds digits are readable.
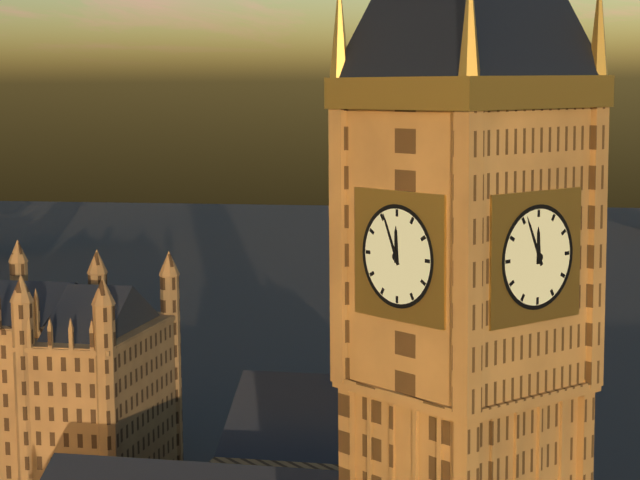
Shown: 11:56
